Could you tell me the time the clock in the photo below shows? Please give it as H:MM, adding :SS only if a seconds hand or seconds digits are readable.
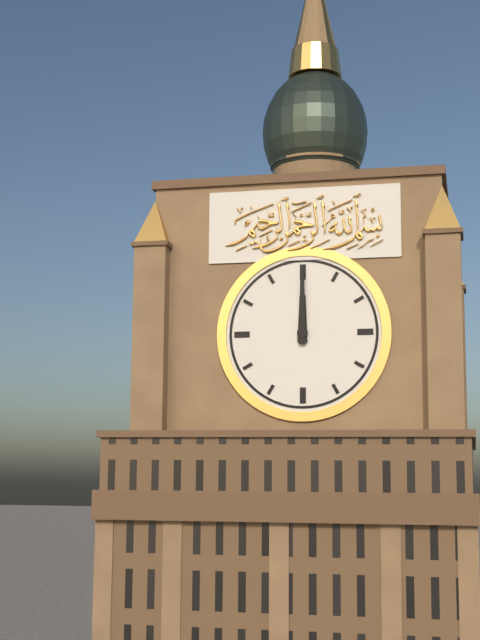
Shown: 12:00
